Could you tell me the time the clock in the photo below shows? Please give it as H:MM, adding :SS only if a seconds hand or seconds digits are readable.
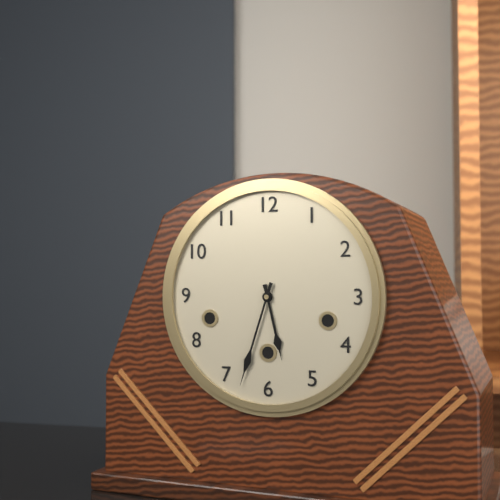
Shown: 5:33
